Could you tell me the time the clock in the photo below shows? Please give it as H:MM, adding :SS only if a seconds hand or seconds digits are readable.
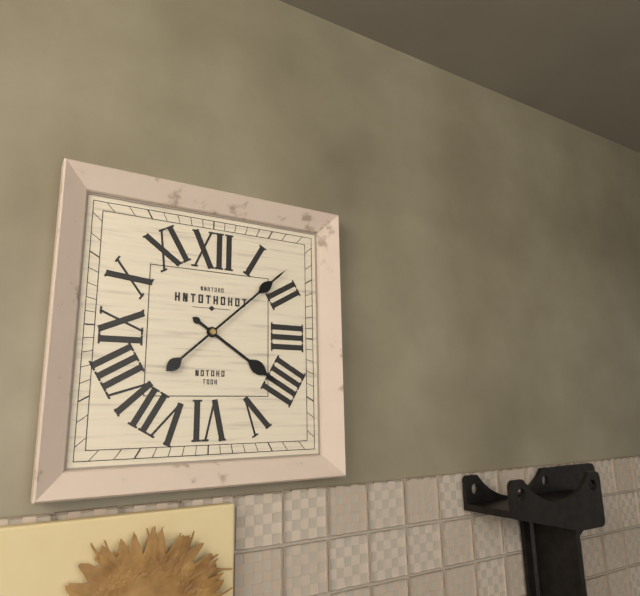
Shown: 4:08
